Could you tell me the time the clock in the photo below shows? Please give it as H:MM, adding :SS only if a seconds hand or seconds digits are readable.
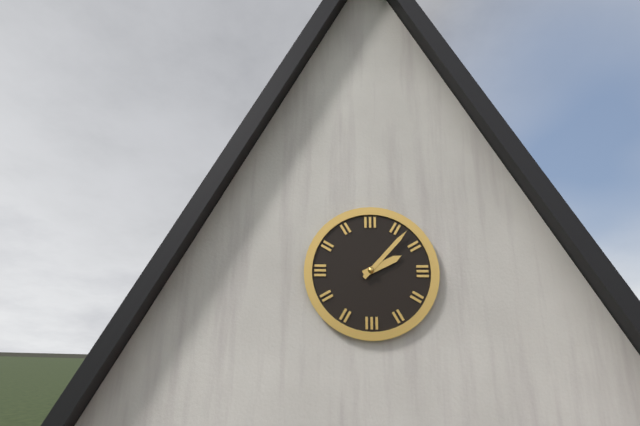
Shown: 2:07
